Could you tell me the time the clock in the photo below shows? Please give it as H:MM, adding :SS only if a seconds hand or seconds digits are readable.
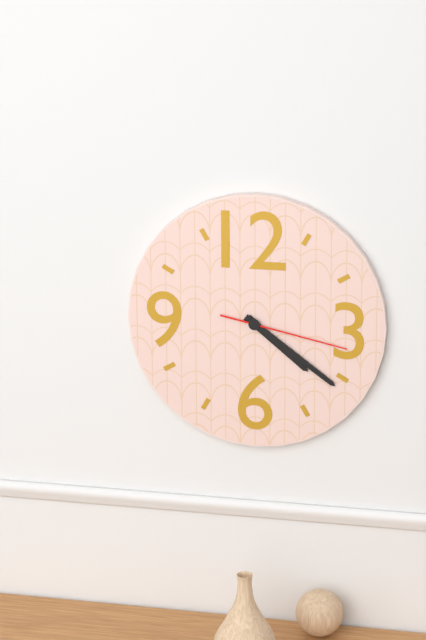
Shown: 4:21:17
